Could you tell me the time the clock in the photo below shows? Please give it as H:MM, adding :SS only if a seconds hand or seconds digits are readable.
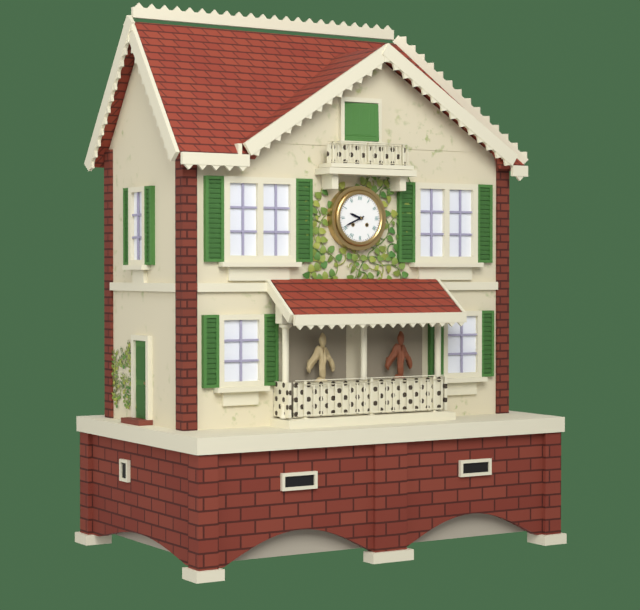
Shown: 9:41
